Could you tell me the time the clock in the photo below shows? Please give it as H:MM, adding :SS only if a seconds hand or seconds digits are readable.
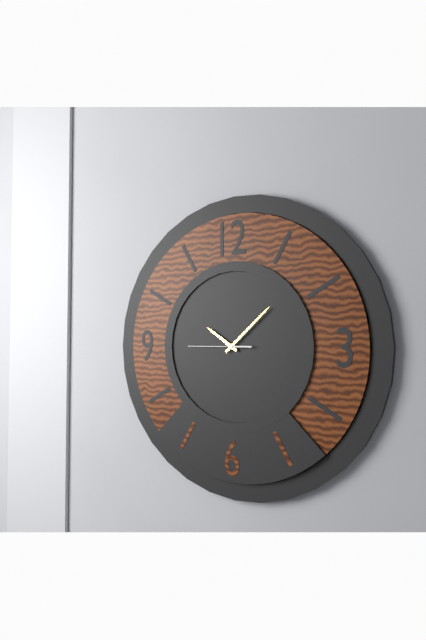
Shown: 10:08:45
